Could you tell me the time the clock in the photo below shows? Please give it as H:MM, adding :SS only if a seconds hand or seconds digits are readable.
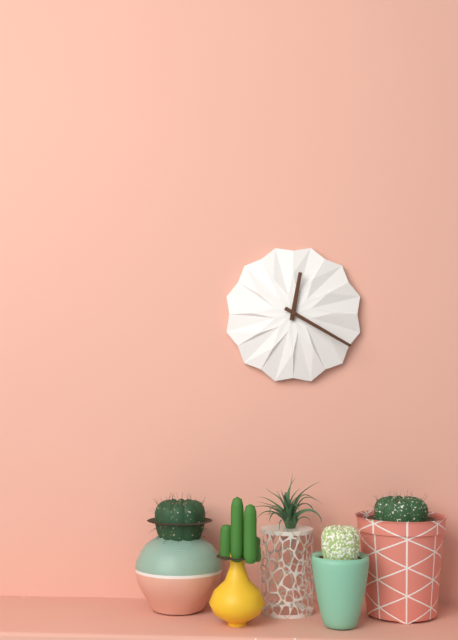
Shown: 12:20
